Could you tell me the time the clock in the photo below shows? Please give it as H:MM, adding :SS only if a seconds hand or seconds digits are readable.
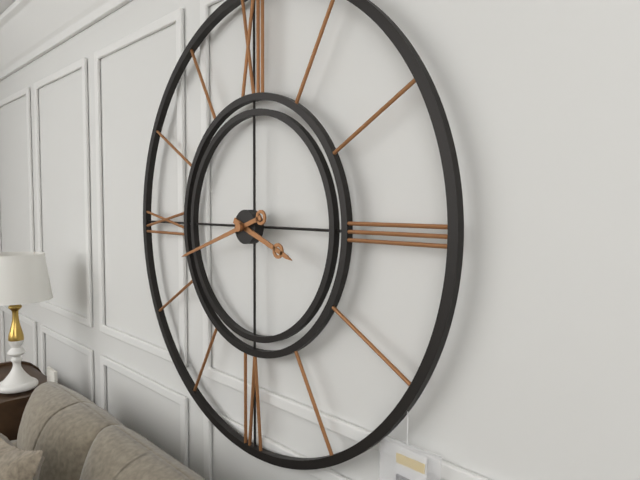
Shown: 3:42
